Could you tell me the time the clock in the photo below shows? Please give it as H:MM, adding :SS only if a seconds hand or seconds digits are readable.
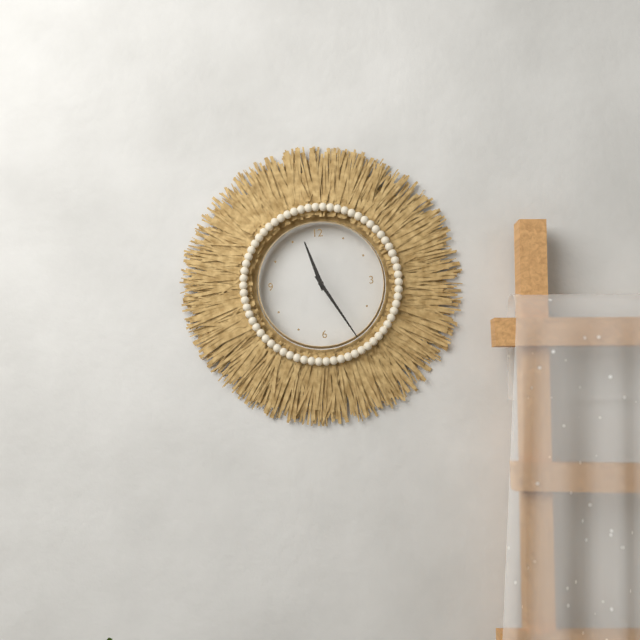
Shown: 11:25
